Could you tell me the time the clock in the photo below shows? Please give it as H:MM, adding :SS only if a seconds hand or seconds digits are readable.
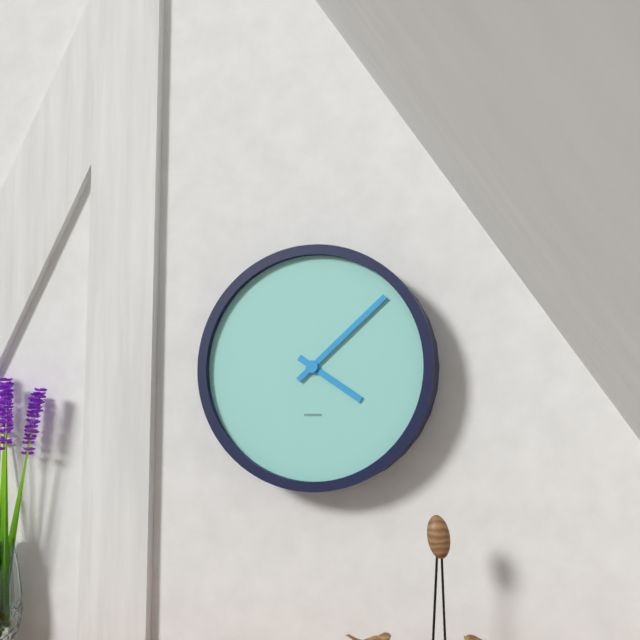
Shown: 4:08
